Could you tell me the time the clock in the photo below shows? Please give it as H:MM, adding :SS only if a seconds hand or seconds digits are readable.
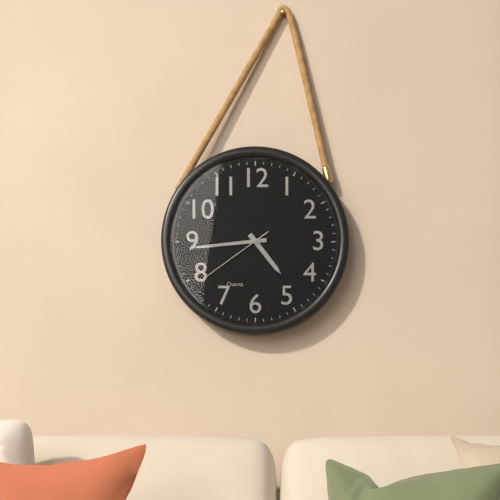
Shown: 4:44:39
